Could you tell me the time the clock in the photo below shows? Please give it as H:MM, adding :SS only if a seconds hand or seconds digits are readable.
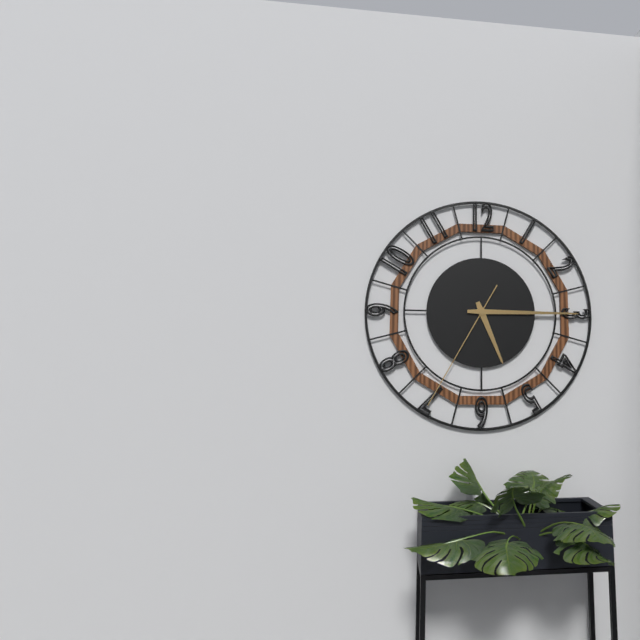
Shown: 5:15:35
